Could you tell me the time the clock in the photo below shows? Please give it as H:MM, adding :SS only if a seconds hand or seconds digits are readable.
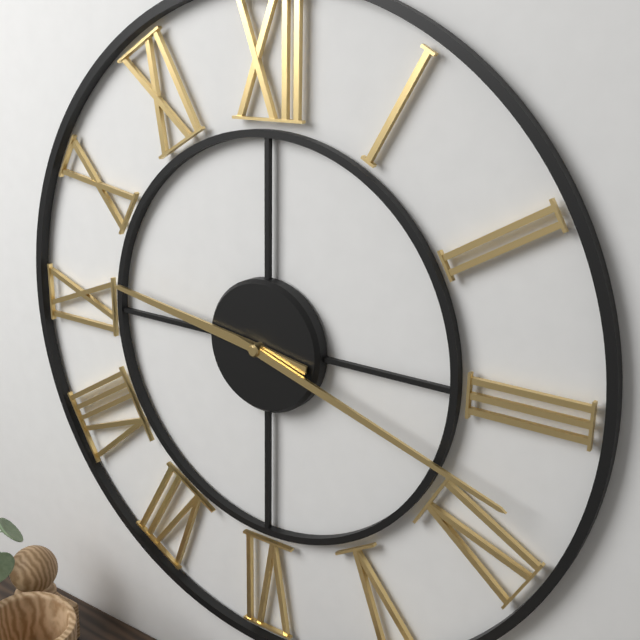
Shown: 9:18
